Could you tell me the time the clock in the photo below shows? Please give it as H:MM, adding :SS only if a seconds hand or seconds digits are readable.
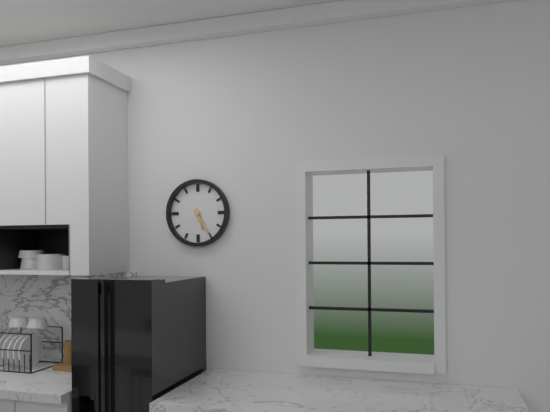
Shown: 5:25
